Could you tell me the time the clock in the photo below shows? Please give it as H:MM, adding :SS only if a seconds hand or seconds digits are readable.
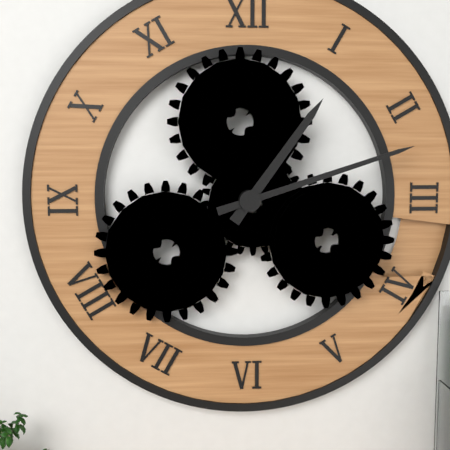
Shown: 1:12
